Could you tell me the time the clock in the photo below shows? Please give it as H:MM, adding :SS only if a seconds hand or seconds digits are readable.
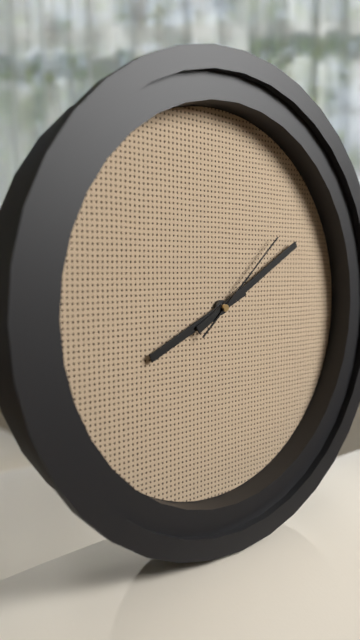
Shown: 8:10:08
